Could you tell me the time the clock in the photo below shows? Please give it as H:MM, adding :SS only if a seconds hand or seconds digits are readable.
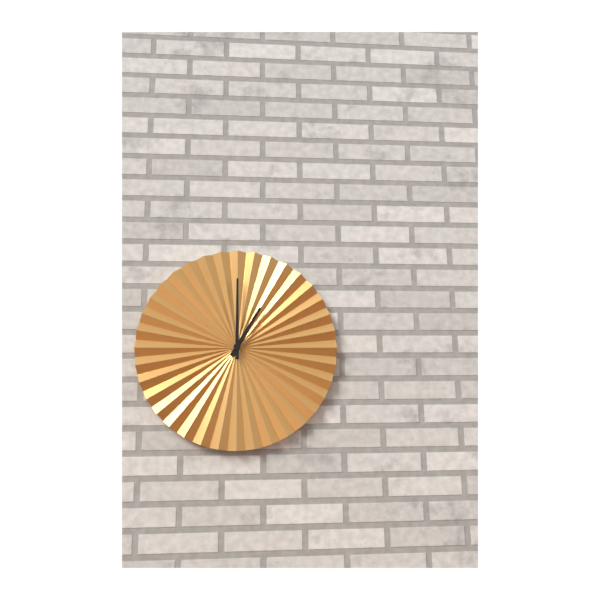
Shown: 1:00
